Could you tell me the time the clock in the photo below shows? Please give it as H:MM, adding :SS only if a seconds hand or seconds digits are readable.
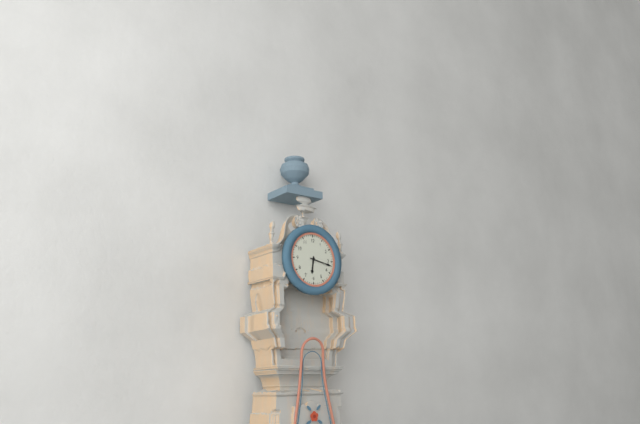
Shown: 6:17
